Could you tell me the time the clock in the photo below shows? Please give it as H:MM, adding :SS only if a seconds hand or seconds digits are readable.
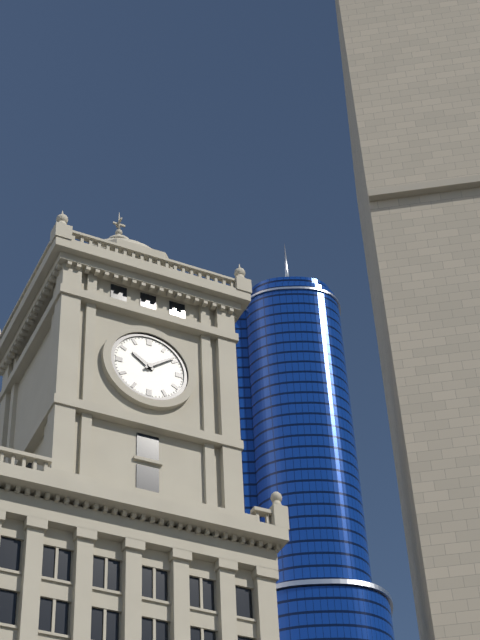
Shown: 10:09
